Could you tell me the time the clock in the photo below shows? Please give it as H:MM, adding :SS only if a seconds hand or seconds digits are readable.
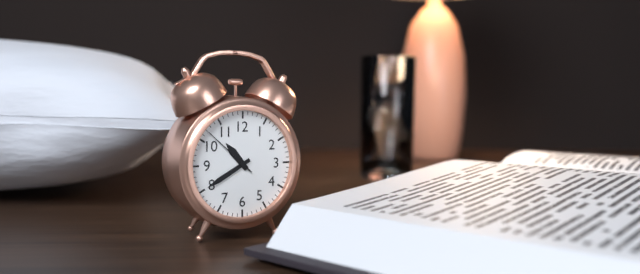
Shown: 10:40:52
